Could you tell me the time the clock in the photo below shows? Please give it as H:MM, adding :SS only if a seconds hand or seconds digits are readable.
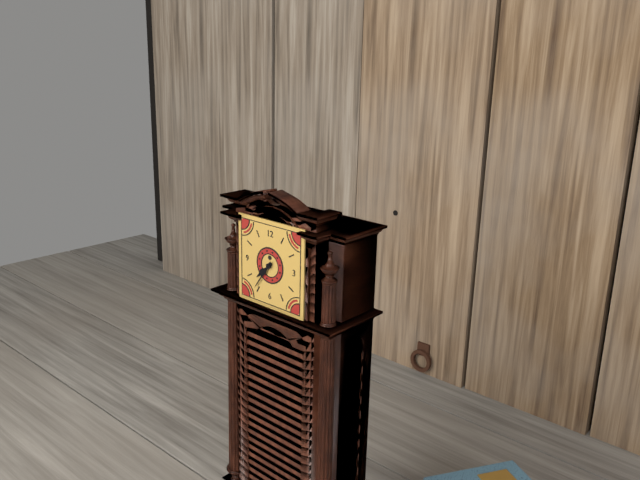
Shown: 7:36
